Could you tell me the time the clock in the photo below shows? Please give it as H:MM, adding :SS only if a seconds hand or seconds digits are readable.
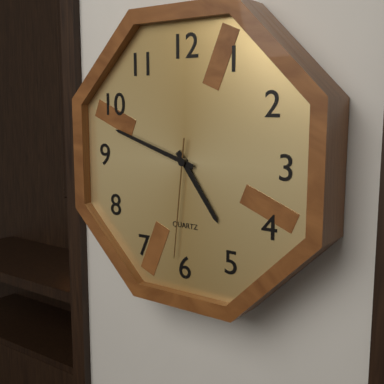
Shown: 4:48:31
